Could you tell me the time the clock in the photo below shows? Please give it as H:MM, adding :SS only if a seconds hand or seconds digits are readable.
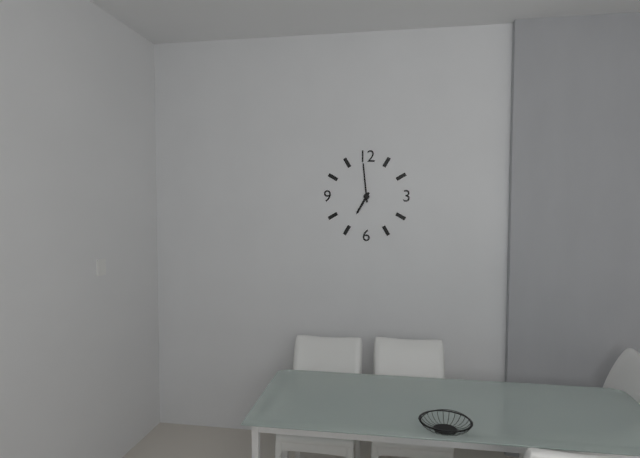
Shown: 6:59
